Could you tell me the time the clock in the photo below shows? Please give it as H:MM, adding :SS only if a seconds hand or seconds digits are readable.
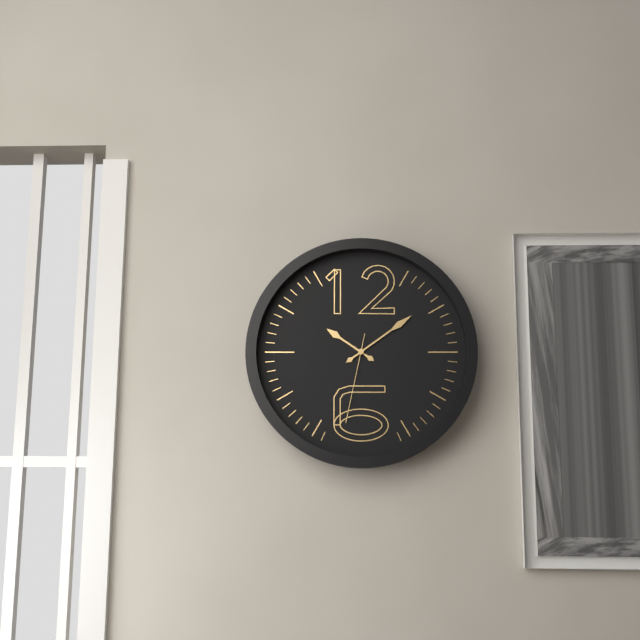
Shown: 10:09:32
